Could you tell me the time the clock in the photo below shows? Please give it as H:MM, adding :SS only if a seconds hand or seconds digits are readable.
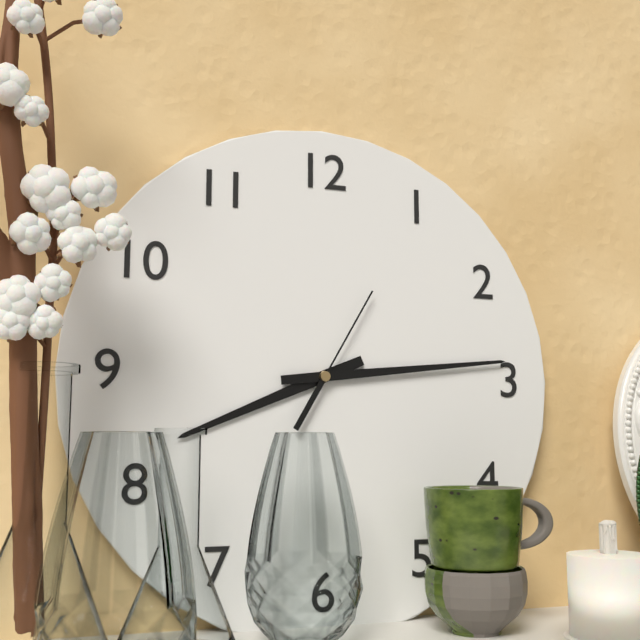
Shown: 8:14:05
